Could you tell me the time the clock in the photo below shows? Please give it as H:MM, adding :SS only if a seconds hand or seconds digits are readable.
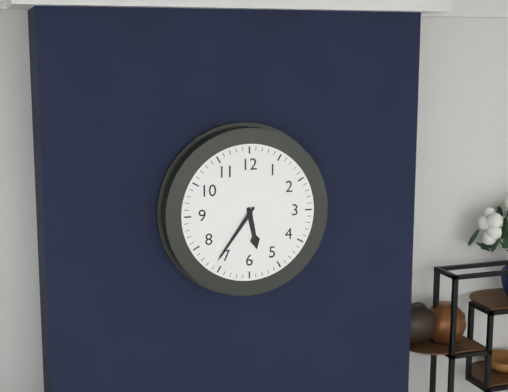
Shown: 5:36
